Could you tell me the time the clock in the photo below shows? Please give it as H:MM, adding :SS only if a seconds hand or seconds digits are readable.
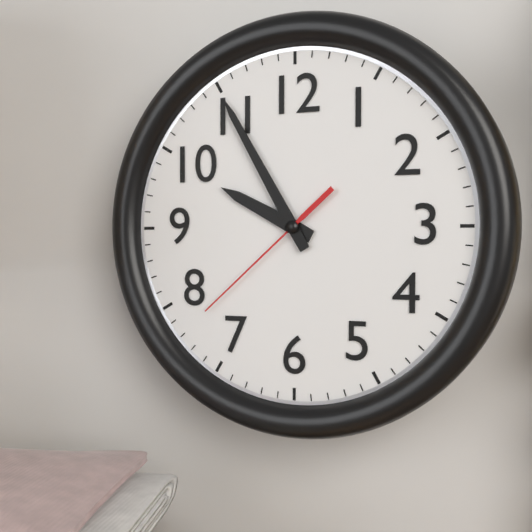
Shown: 9:55:38
